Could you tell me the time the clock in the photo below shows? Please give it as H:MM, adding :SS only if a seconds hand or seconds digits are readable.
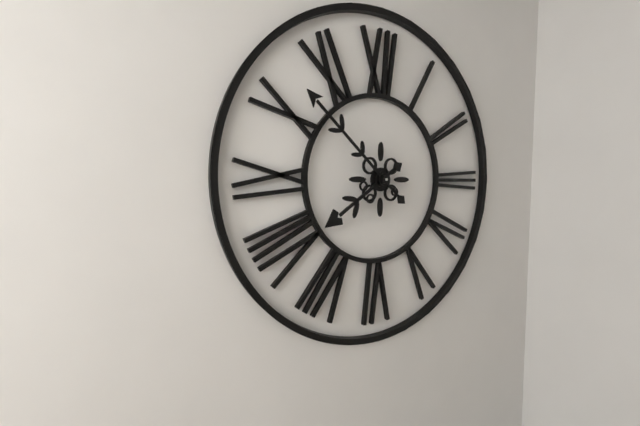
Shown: 7:52
